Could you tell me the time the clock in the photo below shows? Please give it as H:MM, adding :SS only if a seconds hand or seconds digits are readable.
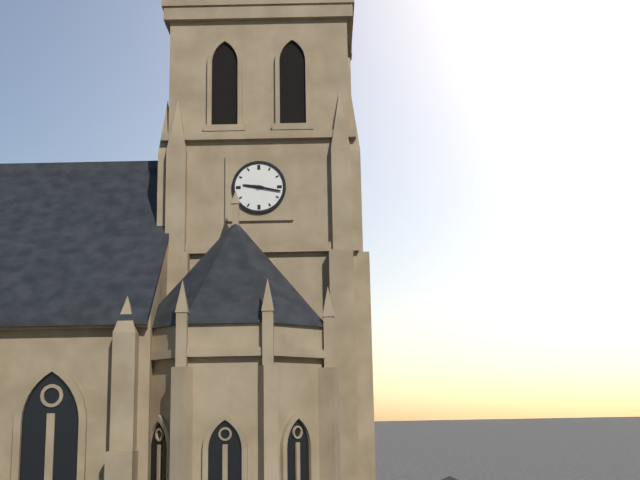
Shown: 9:17
